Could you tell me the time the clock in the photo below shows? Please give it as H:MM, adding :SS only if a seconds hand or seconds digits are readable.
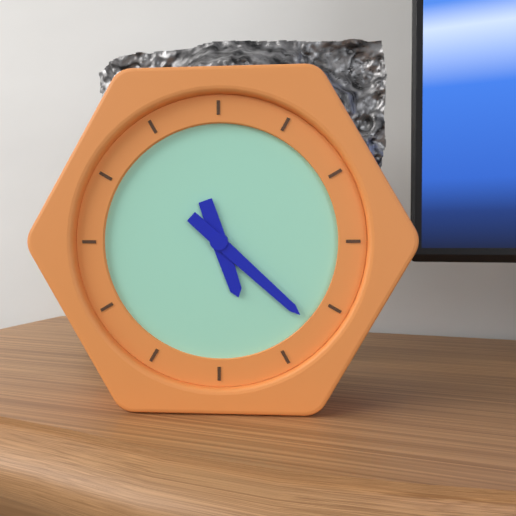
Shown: 5:22
